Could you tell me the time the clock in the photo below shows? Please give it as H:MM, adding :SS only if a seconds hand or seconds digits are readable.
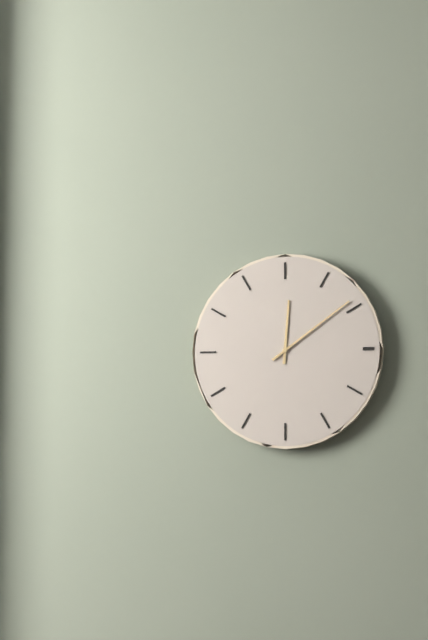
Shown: 12:09
